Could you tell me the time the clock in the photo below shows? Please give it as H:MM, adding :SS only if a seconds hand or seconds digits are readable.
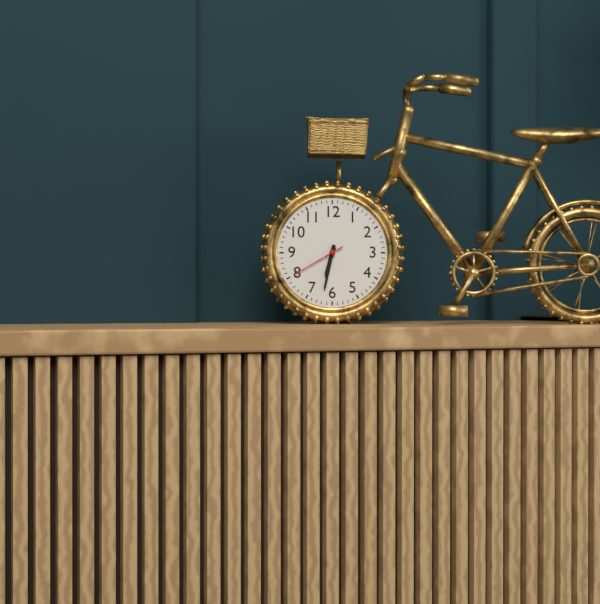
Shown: 6:32:40
